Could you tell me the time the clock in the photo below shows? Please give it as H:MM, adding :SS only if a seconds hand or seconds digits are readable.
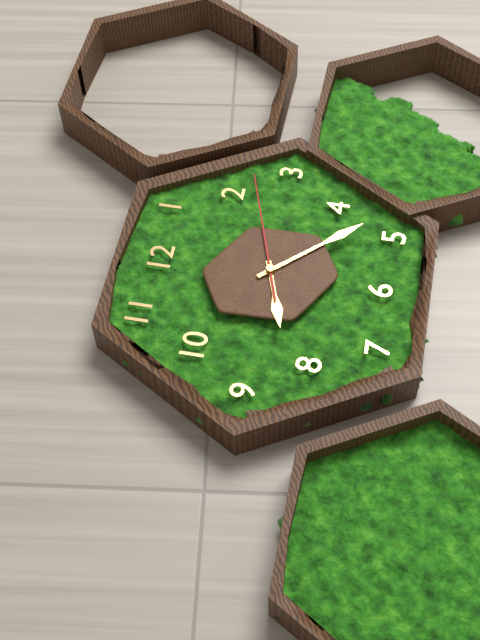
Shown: 8:23:12
